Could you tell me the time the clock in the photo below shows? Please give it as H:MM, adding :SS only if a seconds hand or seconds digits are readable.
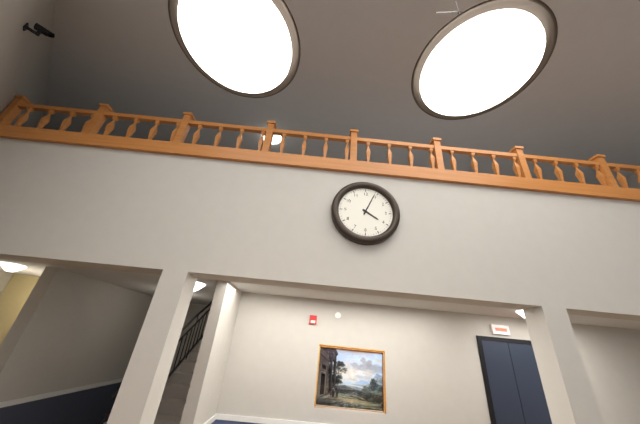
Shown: 4:04
